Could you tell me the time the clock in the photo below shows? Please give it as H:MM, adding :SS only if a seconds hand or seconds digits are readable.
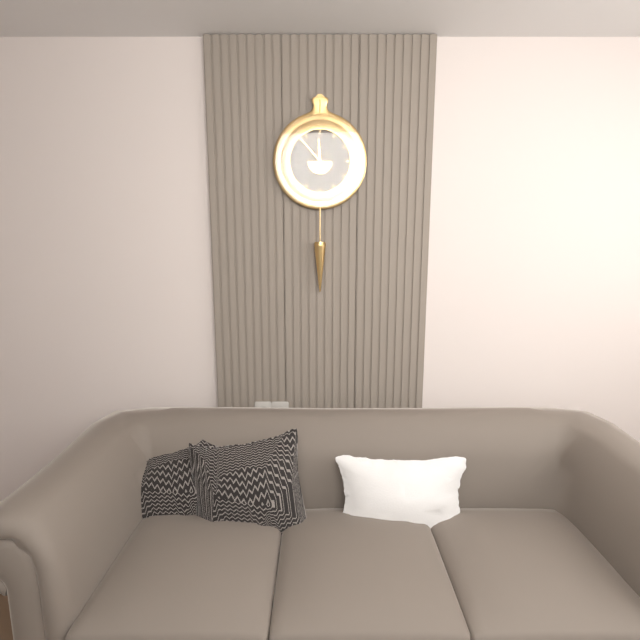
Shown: 11:53
